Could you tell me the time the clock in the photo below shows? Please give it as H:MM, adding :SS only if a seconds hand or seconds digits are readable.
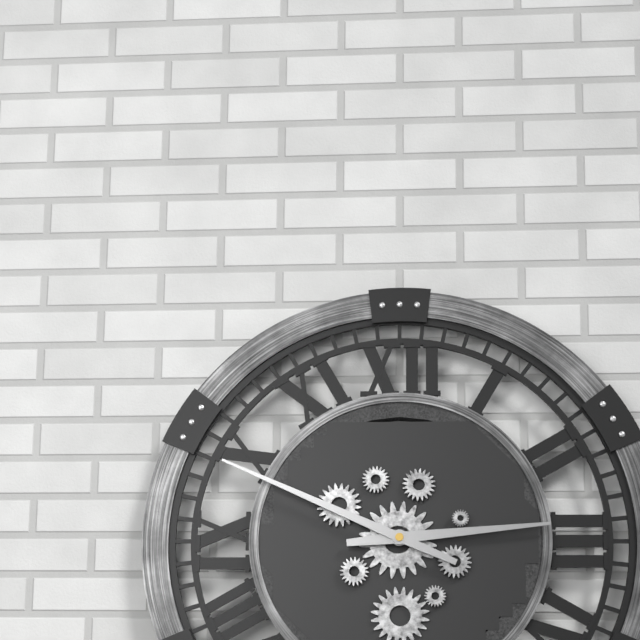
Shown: 2:49
